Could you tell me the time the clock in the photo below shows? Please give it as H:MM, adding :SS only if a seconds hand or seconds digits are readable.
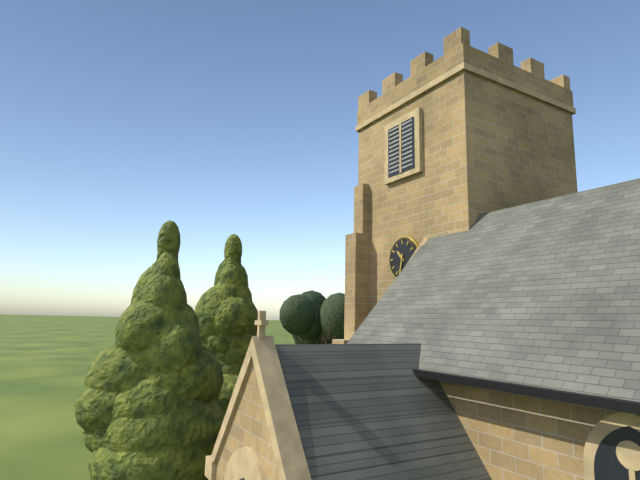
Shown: 10:32
